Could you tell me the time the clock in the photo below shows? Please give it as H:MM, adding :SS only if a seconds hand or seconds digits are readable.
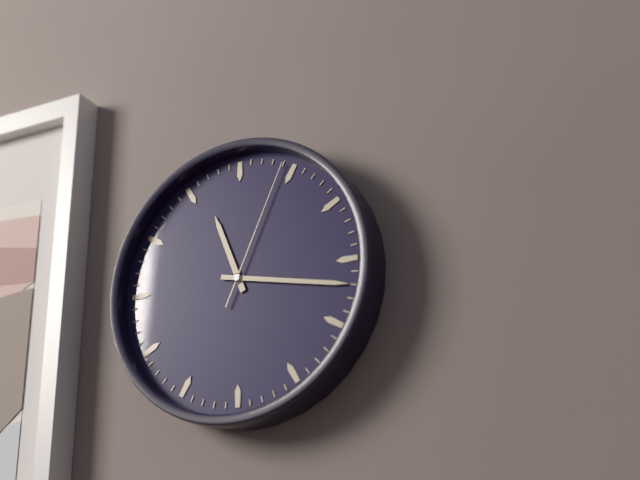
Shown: 11:17:04
